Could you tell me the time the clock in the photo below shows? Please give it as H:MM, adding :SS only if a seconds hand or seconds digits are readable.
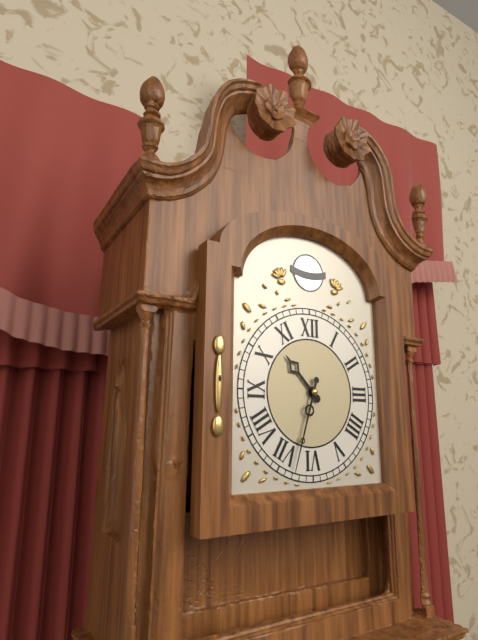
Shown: 10:33
